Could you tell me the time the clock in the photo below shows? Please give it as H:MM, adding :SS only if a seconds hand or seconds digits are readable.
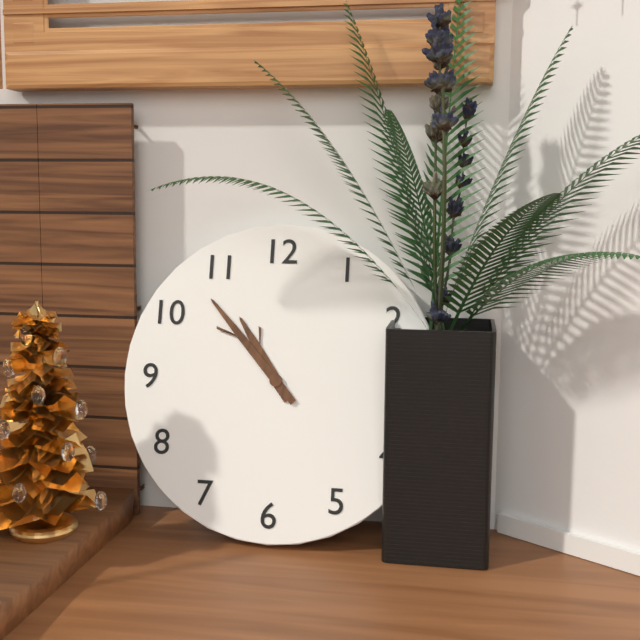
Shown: 10:53
